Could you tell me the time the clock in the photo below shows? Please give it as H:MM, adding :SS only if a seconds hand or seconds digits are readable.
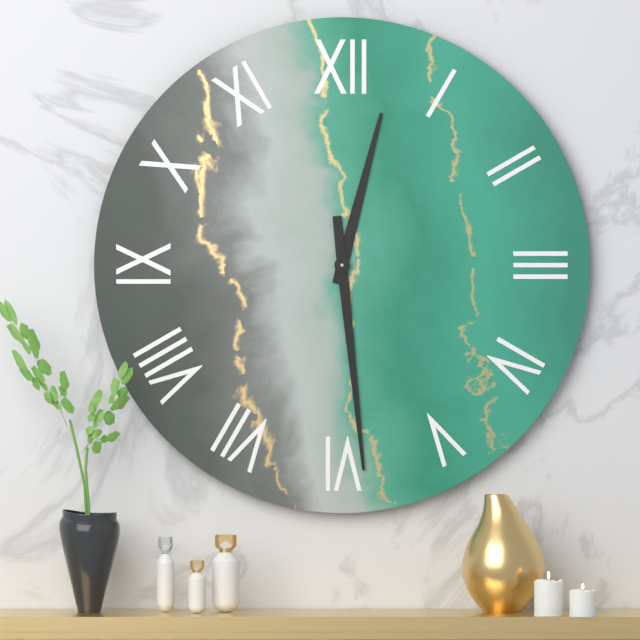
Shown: 12:29
